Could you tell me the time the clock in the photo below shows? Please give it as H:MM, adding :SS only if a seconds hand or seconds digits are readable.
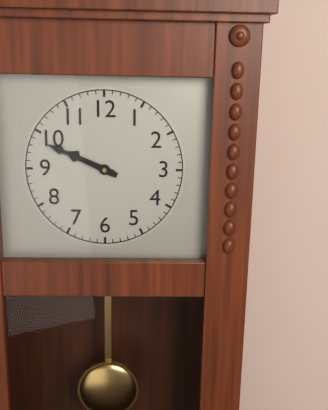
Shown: 9:49
